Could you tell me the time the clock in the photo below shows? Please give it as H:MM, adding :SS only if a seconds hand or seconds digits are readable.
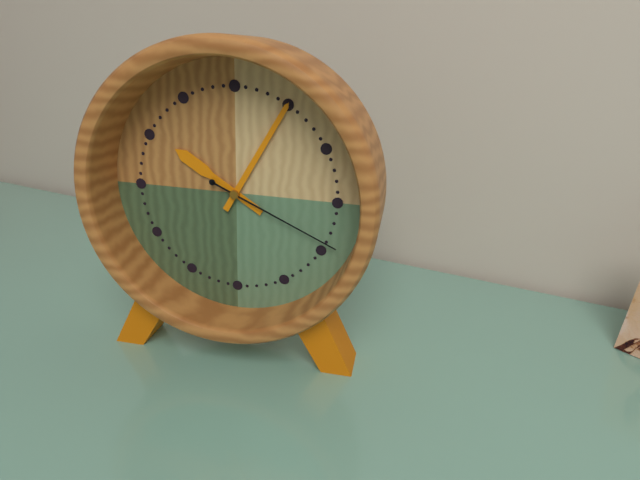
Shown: 10:05:19
